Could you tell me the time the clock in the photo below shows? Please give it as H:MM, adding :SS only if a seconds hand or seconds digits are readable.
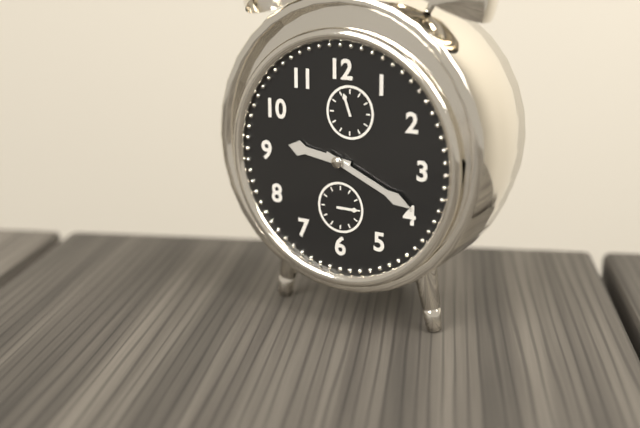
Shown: 9:19
